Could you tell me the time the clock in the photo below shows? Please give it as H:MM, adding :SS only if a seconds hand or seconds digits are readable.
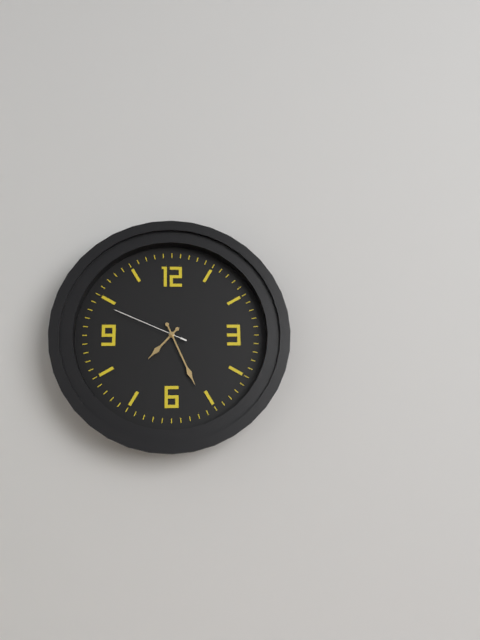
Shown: 7:26:49
